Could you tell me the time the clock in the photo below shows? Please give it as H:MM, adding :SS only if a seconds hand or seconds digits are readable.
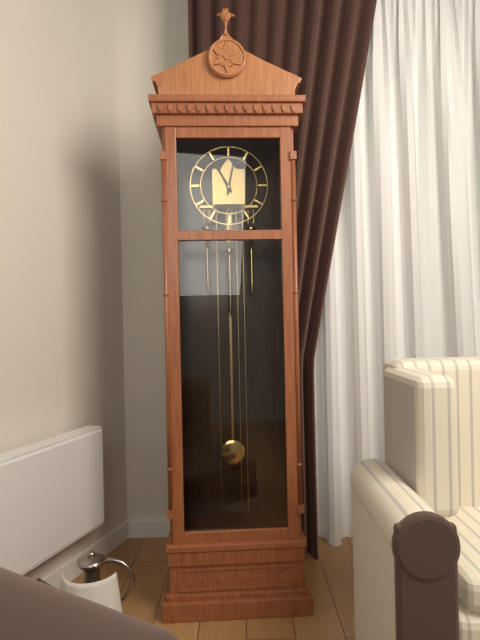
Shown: 11:02
